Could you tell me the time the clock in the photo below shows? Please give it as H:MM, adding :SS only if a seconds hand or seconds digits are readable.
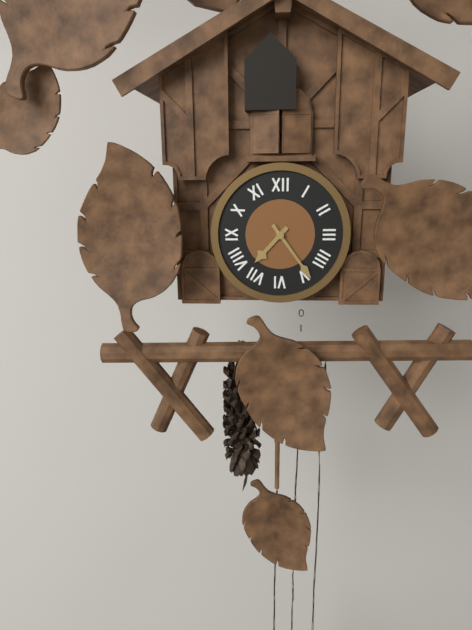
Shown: 7:24
